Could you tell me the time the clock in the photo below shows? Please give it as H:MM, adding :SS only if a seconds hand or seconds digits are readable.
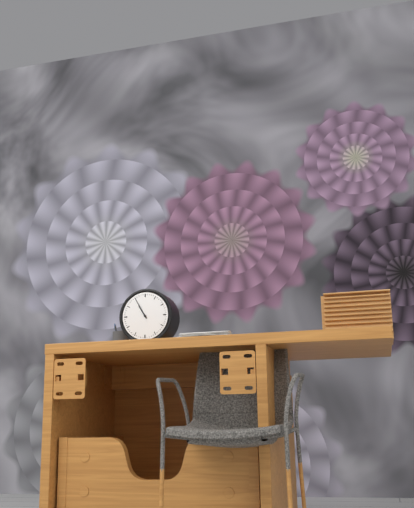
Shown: 10:55
